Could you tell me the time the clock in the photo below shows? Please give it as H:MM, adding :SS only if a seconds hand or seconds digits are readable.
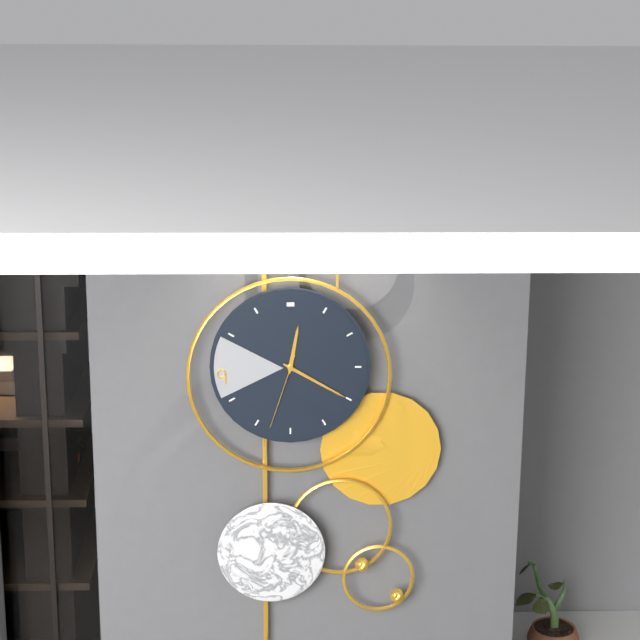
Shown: 12:20:33
